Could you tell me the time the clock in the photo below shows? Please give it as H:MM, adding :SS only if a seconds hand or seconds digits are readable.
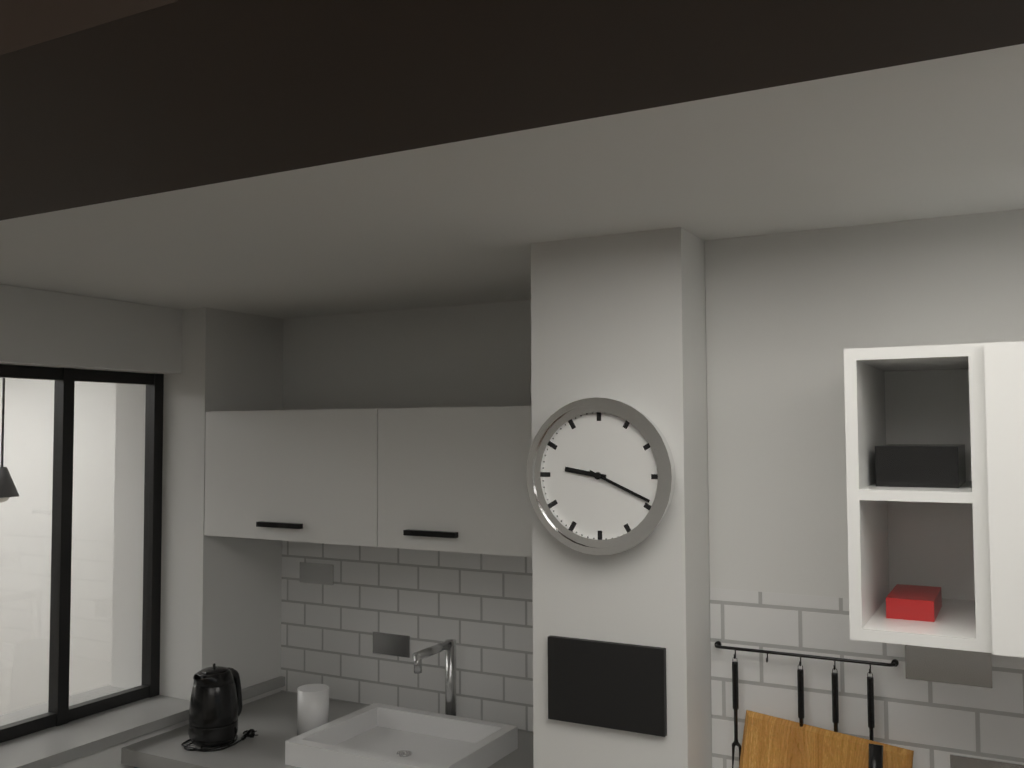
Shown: 9:19
